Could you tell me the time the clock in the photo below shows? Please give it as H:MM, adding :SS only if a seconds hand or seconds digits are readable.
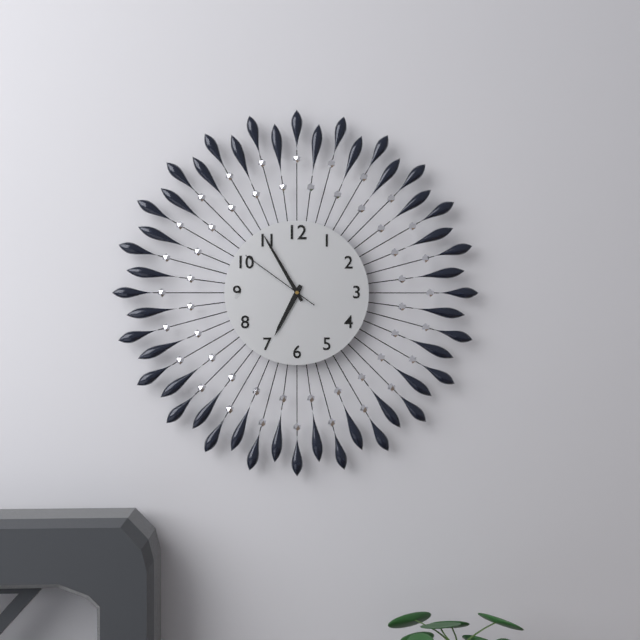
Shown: 6:55:51
